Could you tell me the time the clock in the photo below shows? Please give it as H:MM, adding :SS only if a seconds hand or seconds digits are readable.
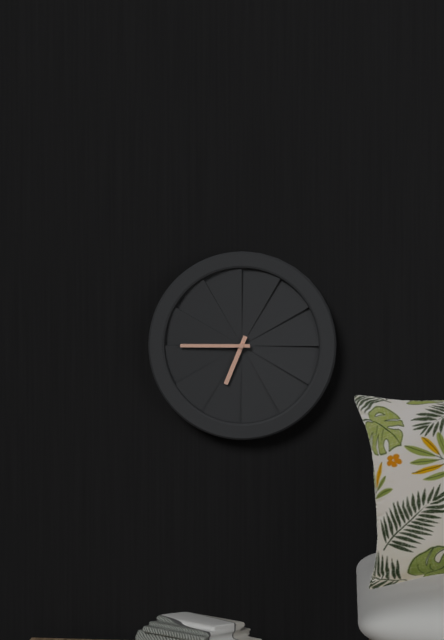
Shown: 6:45
